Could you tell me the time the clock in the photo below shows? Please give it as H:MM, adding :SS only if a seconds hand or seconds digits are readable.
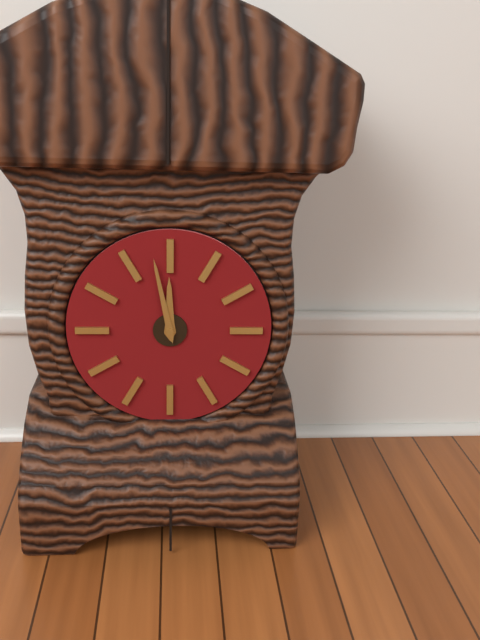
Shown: 11:58
